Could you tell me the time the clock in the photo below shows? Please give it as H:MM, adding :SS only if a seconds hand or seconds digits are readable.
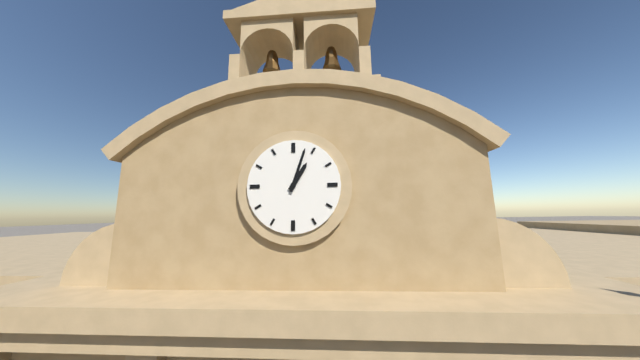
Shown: 1:03
